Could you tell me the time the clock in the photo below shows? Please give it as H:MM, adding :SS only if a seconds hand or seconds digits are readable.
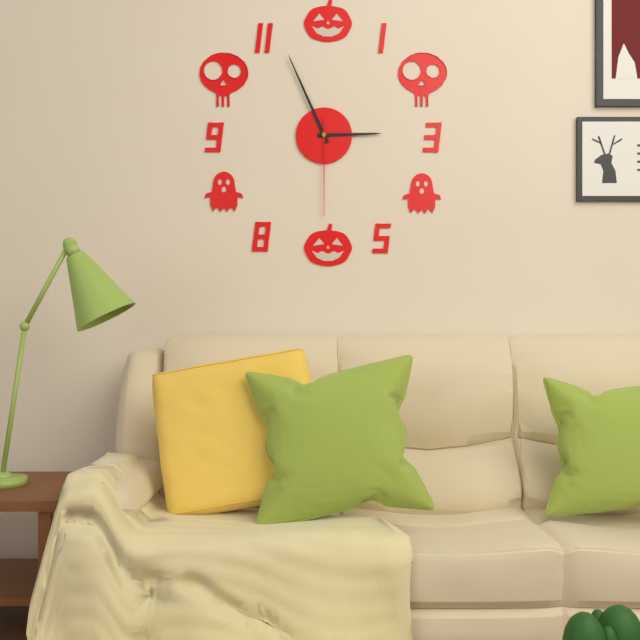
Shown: 2:56:30
